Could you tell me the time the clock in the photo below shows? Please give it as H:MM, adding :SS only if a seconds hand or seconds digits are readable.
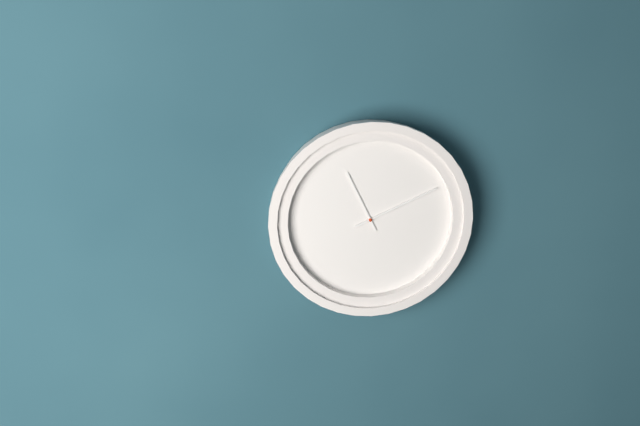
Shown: 11:11
